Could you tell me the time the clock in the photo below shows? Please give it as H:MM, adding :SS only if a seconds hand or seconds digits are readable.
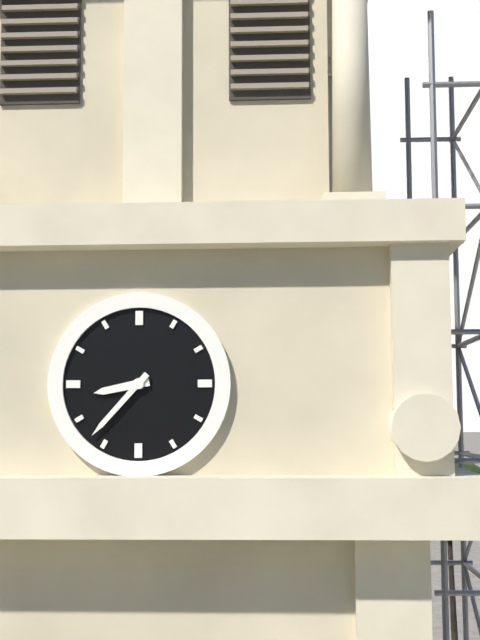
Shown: 8:37
